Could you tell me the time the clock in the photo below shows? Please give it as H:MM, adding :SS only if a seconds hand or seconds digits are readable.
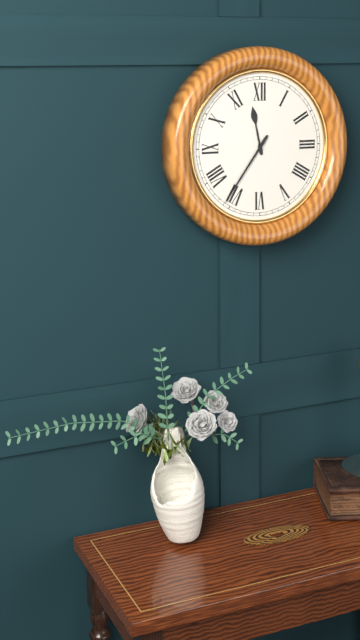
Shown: 11:36
